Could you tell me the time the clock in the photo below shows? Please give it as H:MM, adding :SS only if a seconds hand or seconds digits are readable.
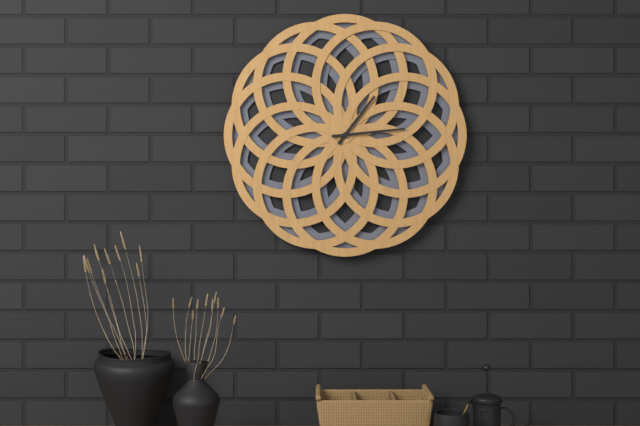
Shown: 1:14
